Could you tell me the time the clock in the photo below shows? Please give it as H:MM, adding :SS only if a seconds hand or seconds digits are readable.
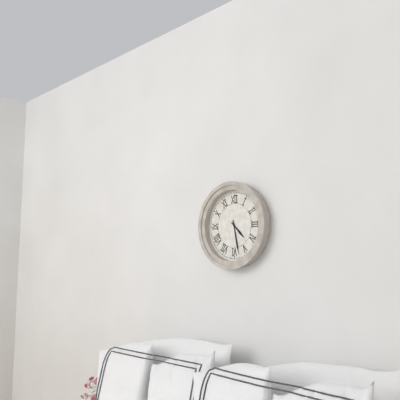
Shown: 4:28
